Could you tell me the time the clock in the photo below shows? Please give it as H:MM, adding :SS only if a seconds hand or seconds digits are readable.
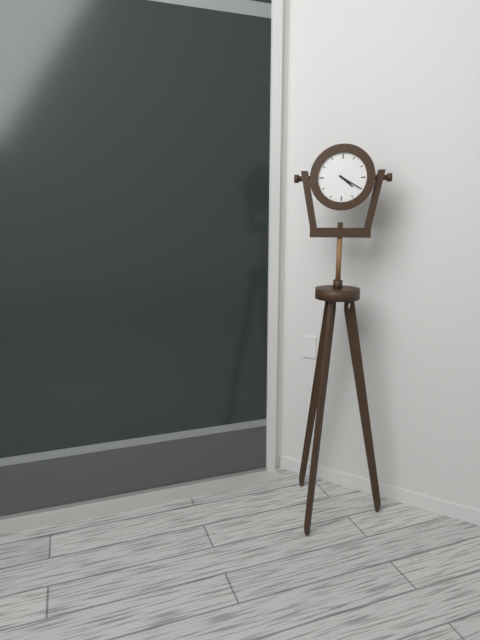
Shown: 4:20
